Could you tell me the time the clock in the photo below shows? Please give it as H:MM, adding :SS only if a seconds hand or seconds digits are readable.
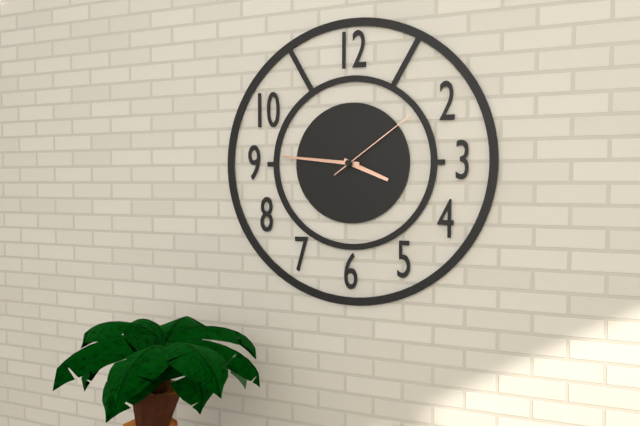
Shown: 3:46:09
